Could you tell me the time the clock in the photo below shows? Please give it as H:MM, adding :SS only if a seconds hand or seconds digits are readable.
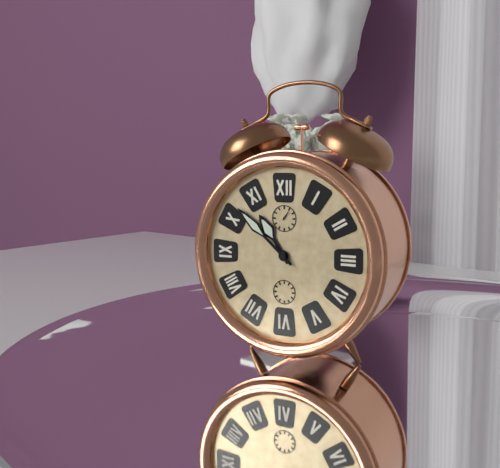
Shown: 10:52
